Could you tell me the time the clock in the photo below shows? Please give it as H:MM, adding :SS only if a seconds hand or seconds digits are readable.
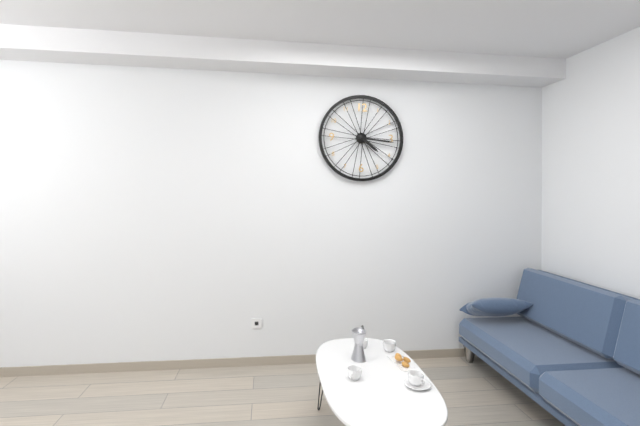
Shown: 4:16
